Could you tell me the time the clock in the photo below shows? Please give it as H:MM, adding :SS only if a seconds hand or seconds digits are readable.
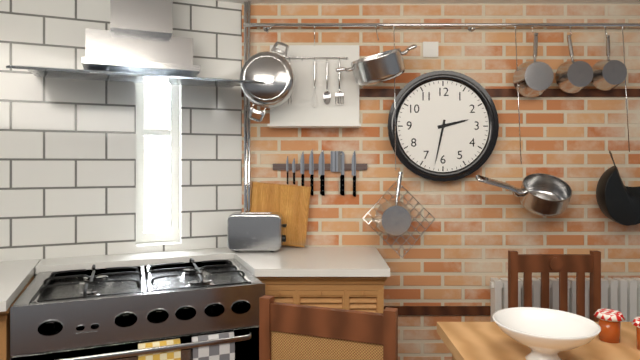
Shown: 2:32
